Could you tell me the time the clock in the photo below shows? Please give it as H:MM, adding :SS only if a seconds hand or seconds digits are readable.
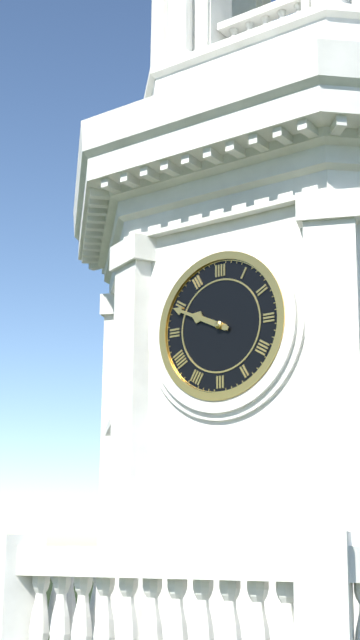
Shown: 9:49
